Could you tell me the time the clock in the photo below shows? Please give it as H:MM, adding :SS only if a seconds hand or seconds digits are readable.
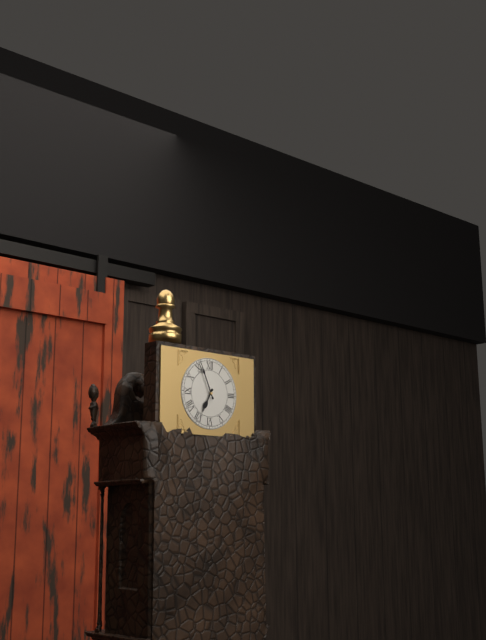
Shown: 6:56
